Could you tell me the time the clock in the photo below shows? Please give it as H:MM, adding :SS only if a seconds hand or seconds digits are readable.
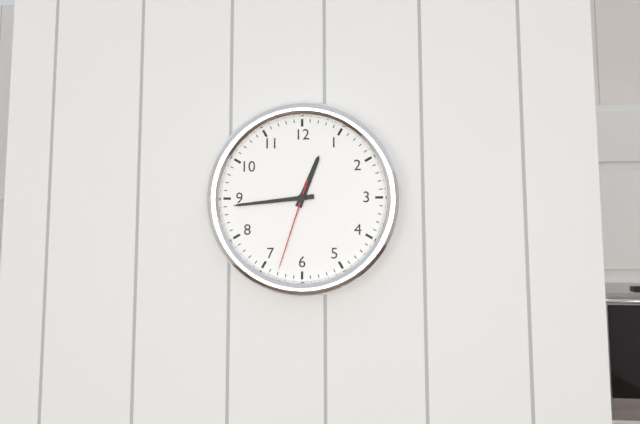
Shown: 12:44:33
